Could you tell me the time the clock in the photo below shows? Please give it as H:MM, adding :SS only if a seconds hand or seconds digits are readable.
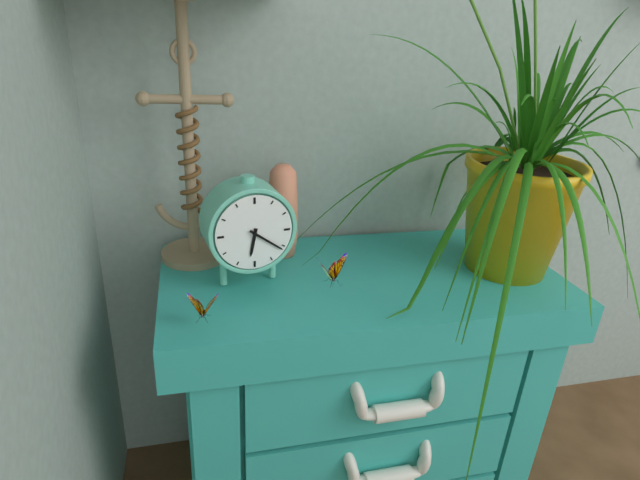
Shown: 6:21
